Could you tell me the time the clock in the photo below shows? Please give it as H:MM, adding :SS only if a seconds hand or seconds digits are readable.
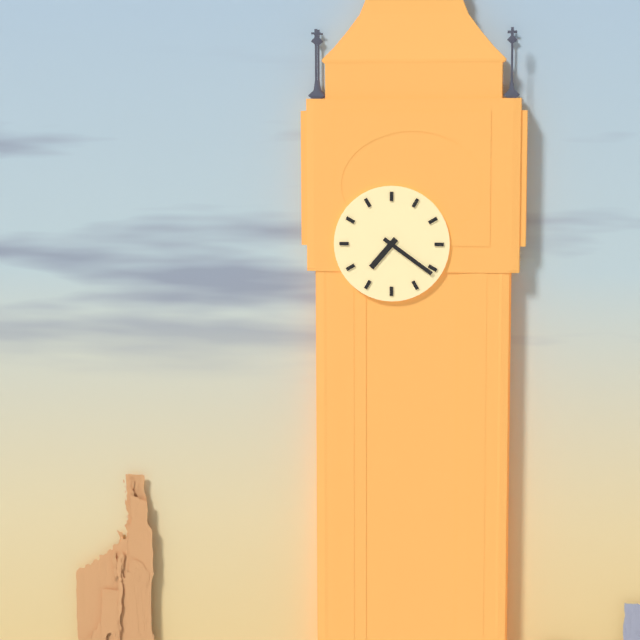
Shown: 7:21
